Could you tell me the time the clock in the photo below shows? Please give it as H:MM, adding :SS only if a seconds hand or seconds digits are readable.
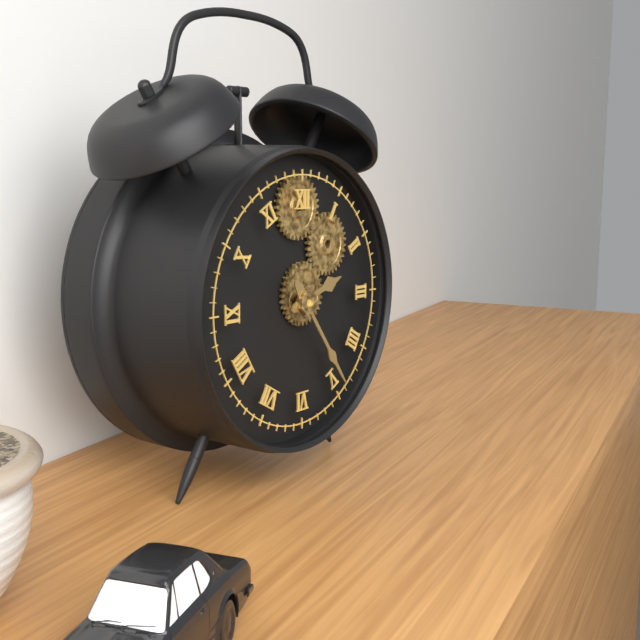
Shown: 2:24
